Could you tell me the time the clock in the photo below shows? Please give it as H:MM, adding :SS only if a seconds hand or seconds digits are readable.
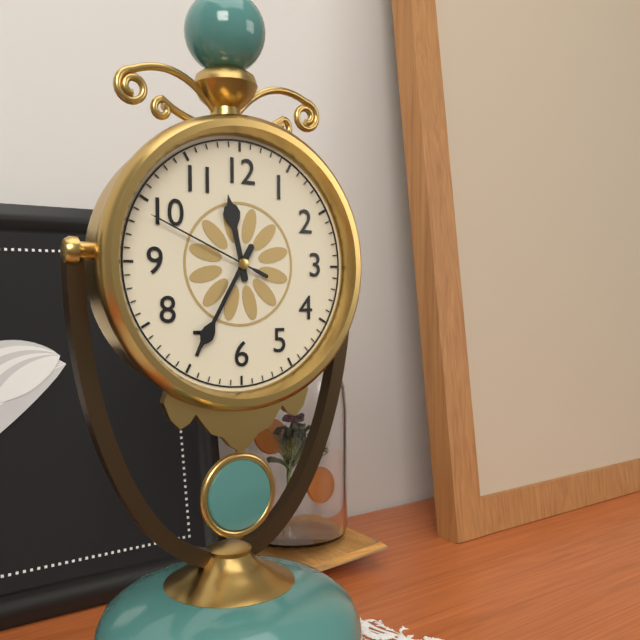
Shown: 11:35:49
